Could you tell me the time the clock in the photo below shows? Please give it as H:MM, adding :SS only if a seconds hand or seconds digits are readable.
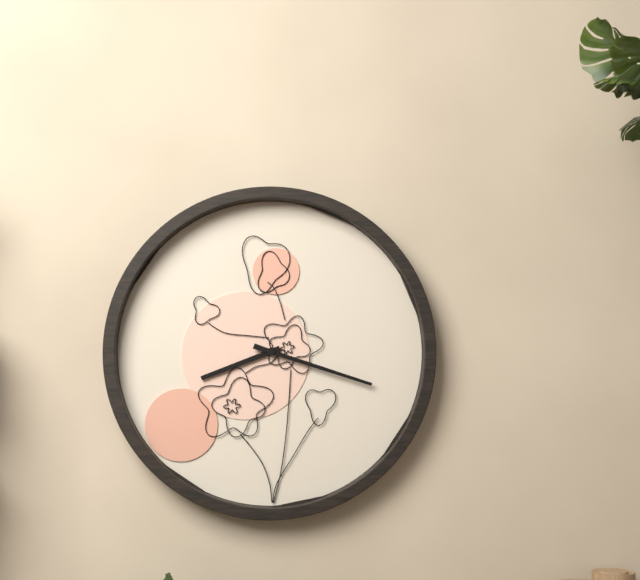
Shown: 8:18
